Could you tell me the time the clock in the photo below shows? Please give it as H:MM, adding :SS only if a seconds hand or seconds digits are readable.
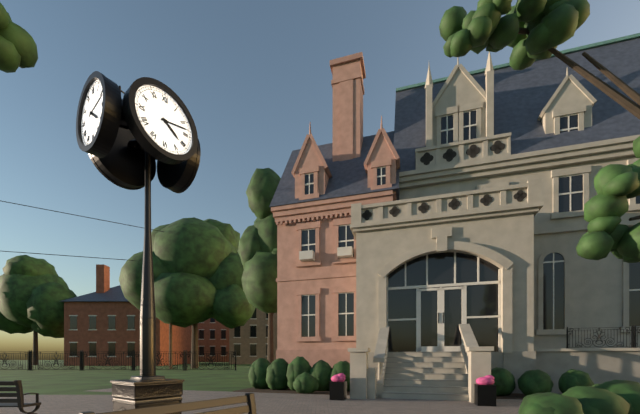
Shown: 4:13
